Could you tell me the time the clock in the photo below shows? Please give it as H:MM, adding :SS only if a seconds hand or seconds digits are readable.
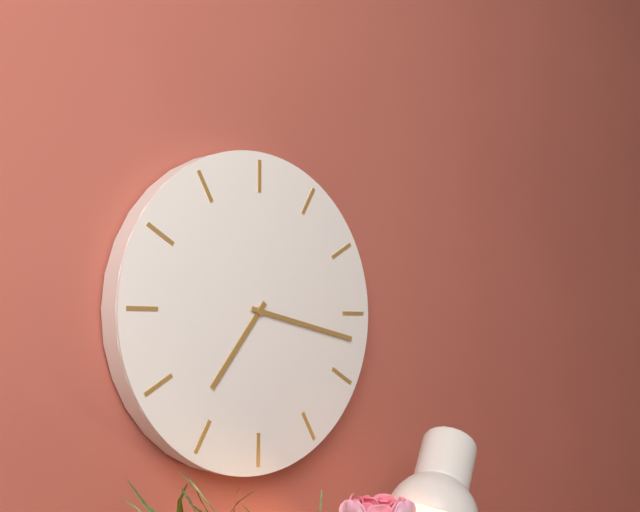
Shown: 7:17
